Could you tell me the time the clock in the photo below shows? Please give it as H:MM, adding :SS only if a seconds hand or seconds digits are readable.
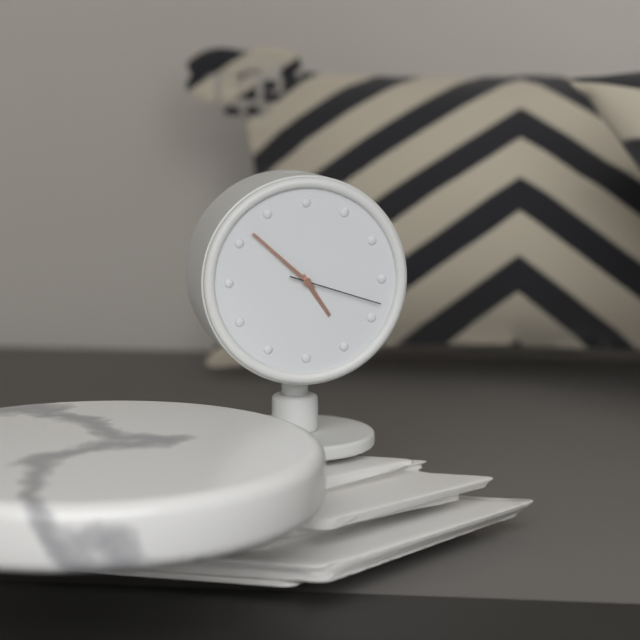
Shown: 4:52:18
